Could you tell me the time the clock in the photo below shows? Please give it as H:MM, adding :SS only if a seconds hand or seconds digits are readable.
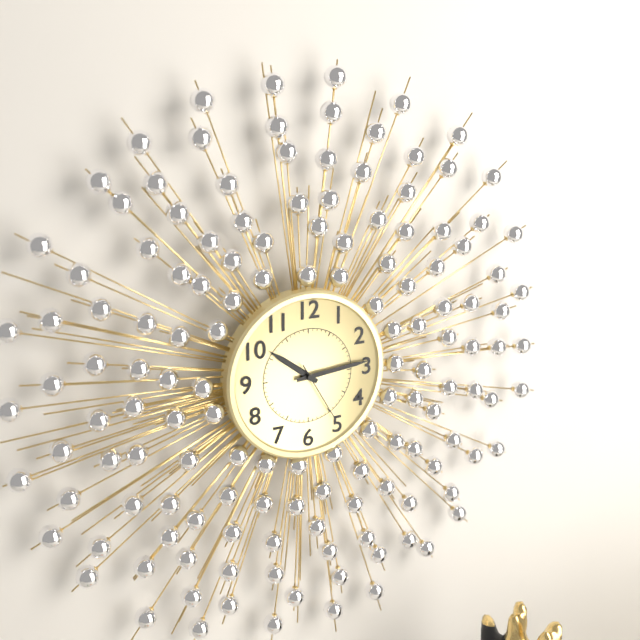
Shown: 10:14:25
